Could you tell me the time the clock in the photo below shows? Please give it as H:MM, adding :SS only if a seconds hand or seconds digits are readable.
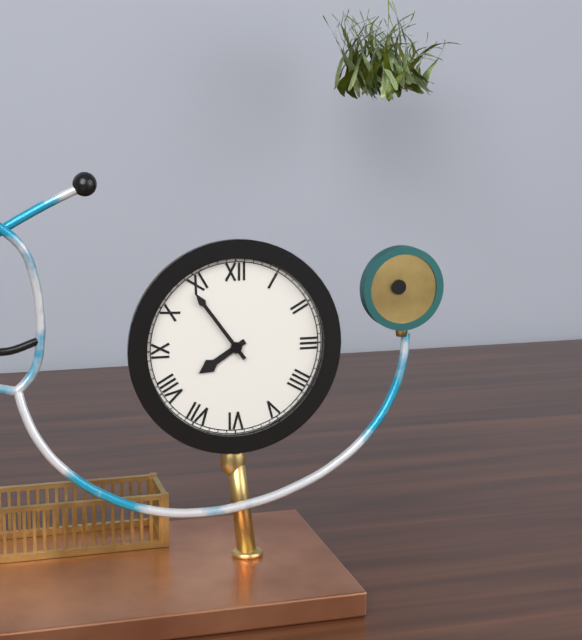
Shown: 7:54
